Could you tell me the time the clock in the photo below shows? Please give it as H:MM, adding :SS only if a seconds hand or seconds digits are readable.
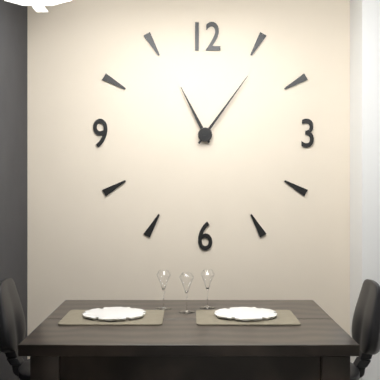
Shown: 11:06
